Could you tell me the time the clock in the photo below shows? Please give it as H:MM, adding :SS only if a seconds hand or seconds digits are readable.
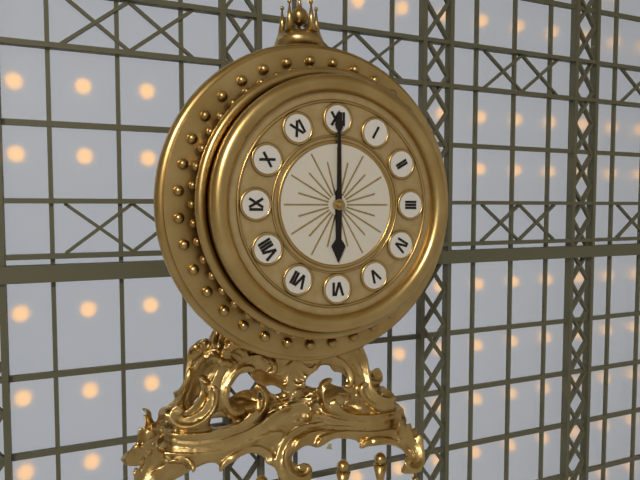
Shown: 6:00
